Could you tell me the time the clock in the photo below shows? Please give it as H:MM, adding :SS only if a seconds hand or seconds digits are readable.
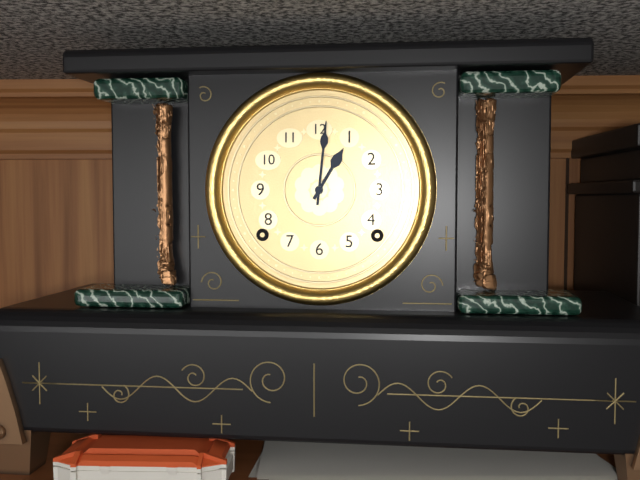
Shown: 1:01
